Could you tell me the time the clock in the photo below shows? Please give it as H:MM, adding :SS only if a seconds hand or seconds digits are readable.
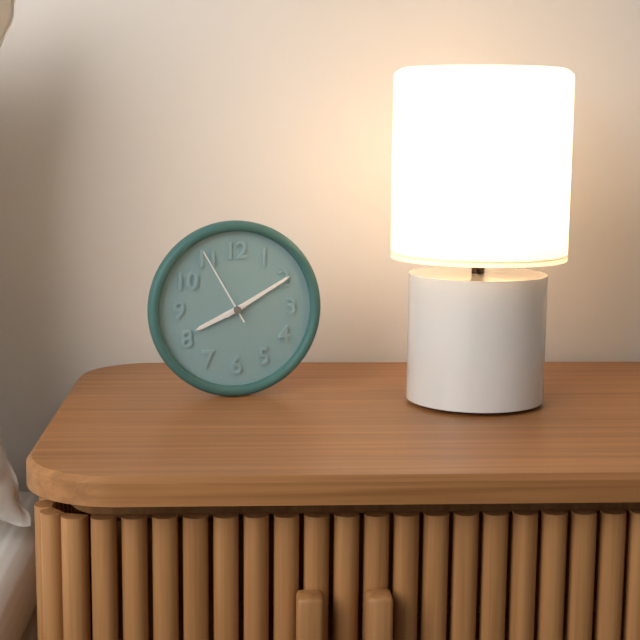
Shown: 8:10:55
